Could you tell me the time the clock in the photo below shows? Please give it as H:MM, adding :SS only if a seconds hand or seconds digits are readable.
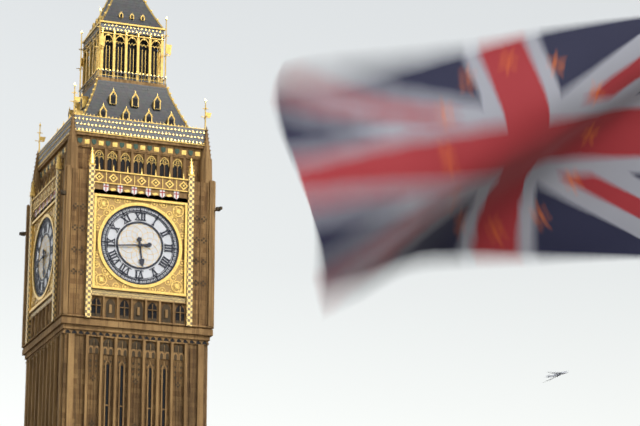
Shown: 5:44
